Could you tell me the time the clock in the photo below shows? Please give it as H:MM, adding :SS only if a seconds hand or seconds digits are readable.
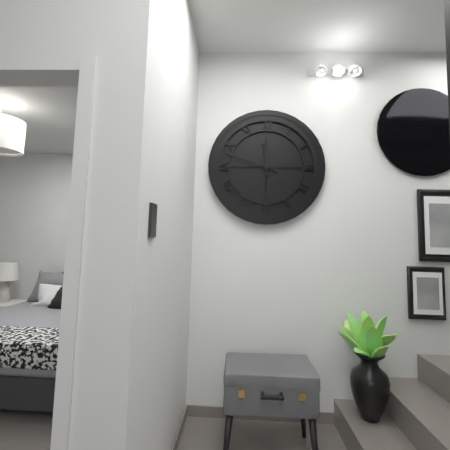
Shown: 11:48
